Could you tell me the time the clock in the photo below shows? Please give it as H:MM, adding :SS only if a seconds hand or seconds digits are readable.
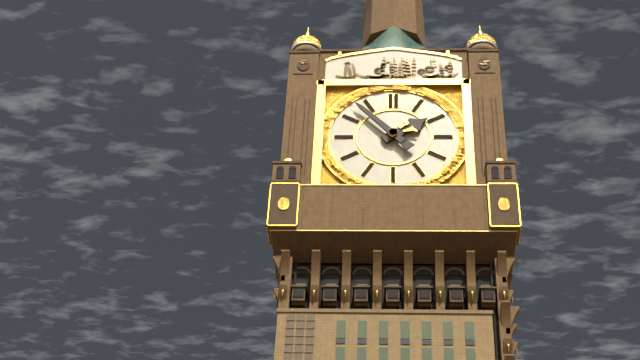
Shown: 1:53
